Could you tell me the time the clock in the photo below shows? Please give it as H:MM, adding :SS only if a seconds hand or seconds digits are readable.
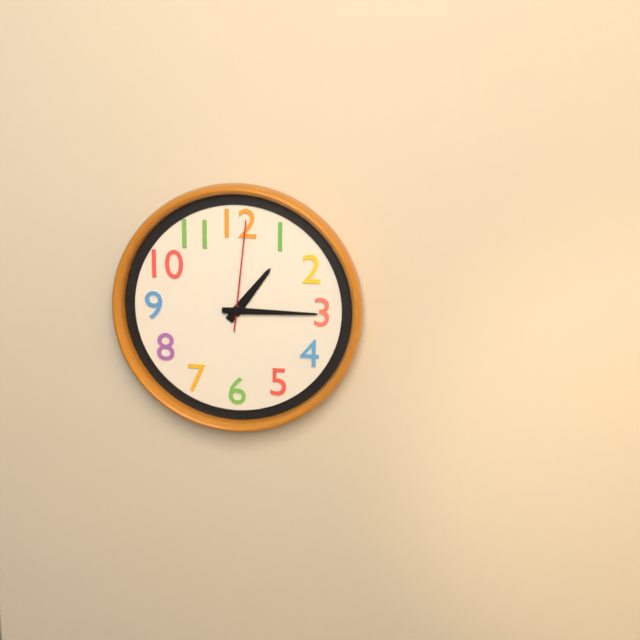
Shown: 1:15:01
